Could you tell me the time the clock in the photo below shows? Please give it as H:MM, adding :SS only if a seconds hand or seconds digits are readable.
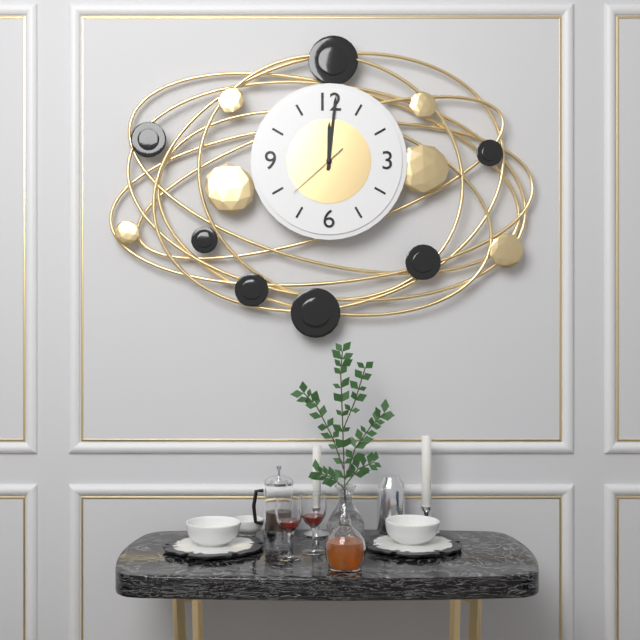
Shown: 12:01:38
